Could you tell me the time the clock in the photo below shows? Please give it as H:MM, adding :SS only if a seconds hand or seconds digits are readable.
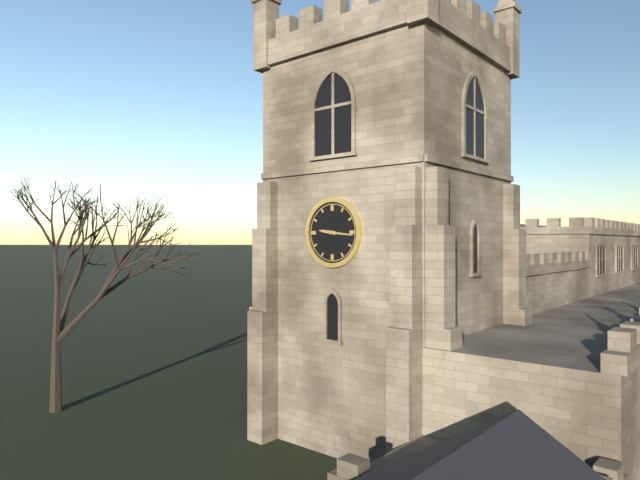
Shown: 9:16
